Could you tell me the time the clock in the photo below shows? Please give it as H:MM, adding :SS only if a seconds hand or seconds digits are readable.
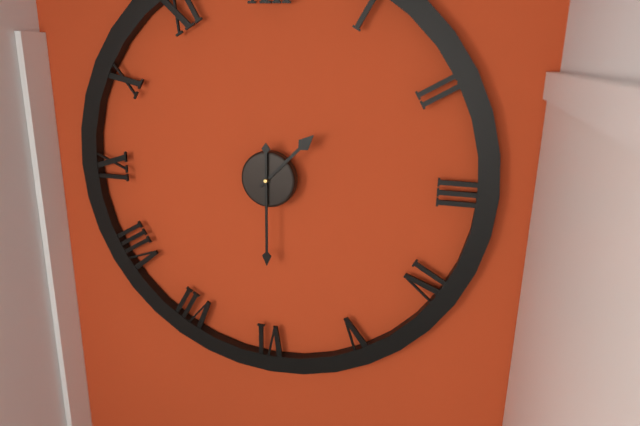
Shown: 1:30
